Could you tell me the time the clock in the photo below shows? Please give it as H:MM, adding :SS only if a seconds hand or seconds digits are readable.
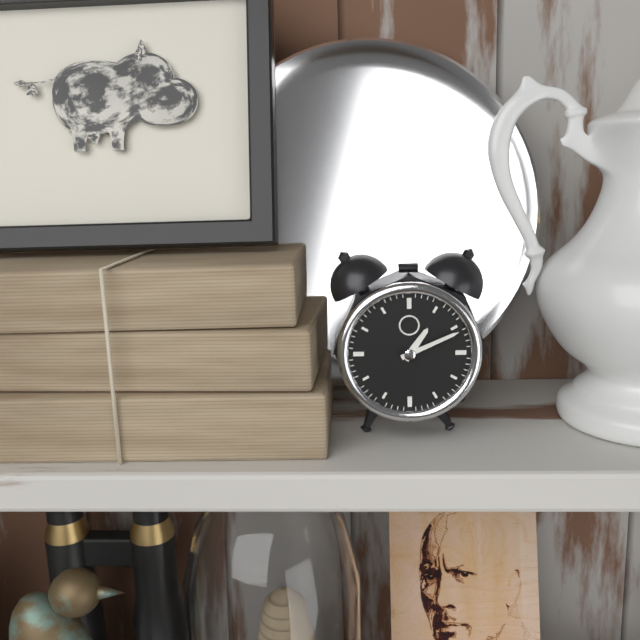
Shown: 1:11
